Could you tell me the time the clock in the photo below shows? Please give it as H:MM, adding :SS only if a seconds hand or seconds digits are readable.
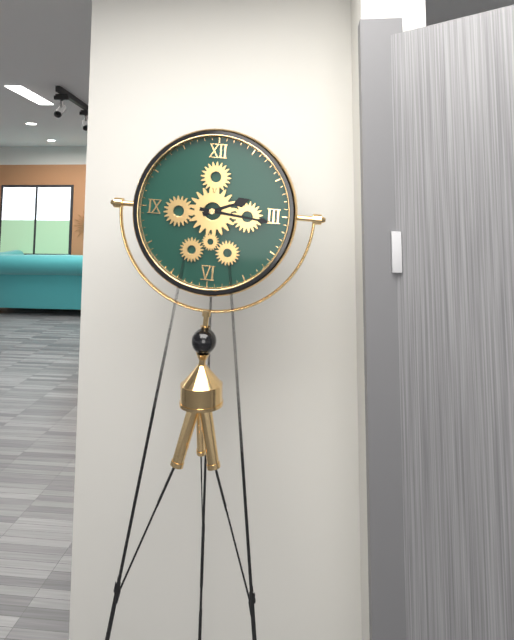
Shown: 2:16
